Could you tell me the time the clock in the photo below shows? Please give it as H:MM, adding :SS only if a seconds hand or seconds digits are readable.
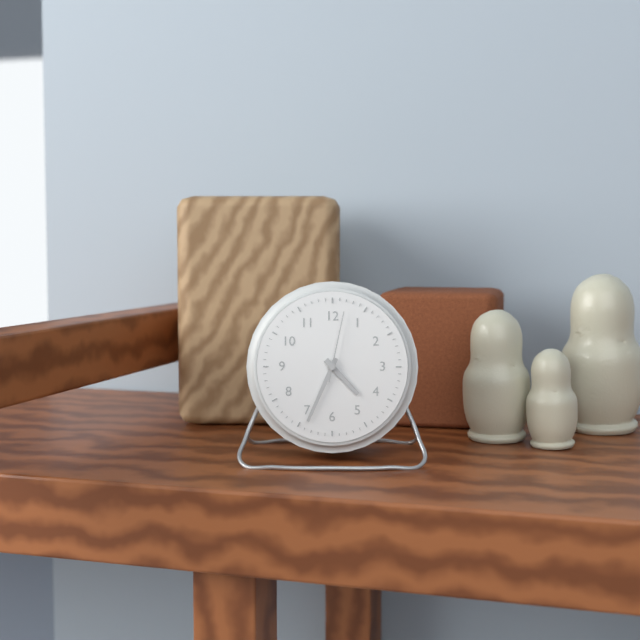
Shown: 4:34:02
